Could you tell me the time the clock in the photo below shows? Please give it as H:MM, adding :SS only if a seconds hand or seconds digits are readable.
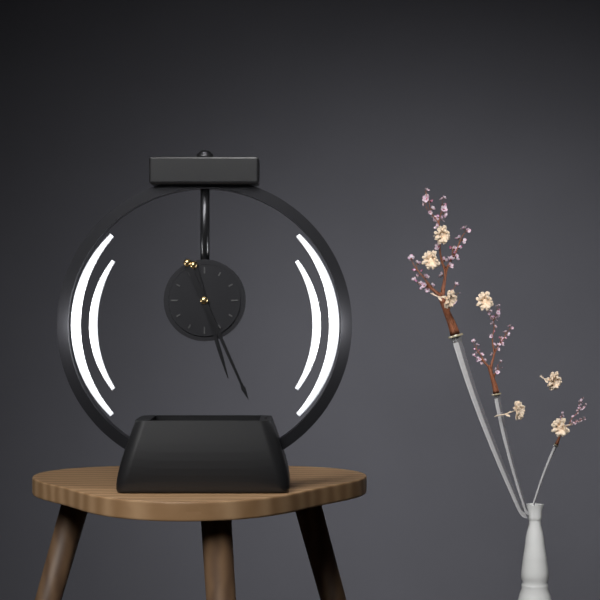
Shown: 5:26
